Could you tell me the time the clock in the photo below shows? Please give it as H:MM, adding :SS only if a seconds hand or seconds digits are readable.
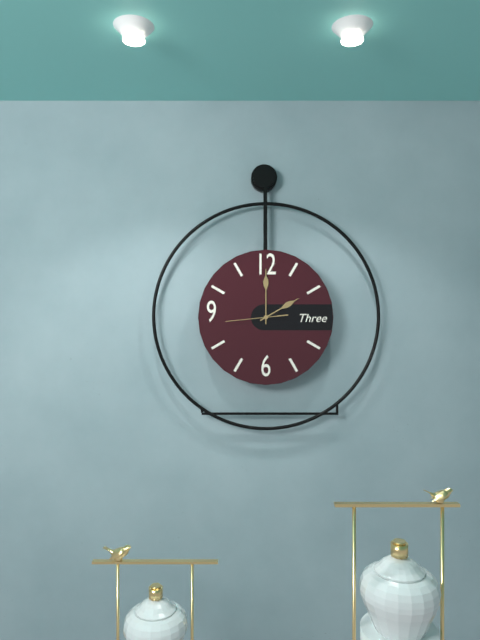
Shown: 2:00:44
